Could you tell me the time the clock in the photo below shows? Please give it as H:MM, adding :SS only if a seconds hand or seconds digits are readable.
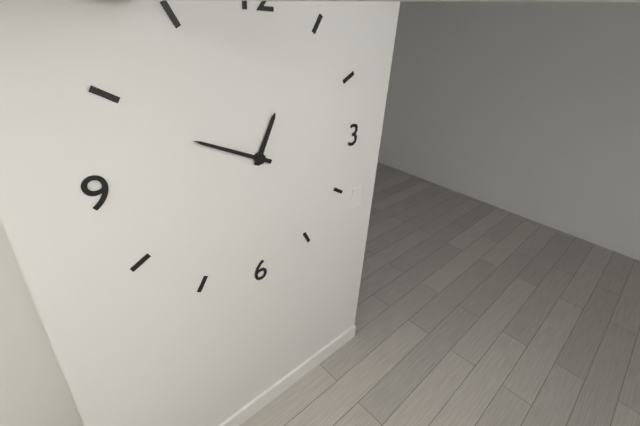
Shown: 12:49
